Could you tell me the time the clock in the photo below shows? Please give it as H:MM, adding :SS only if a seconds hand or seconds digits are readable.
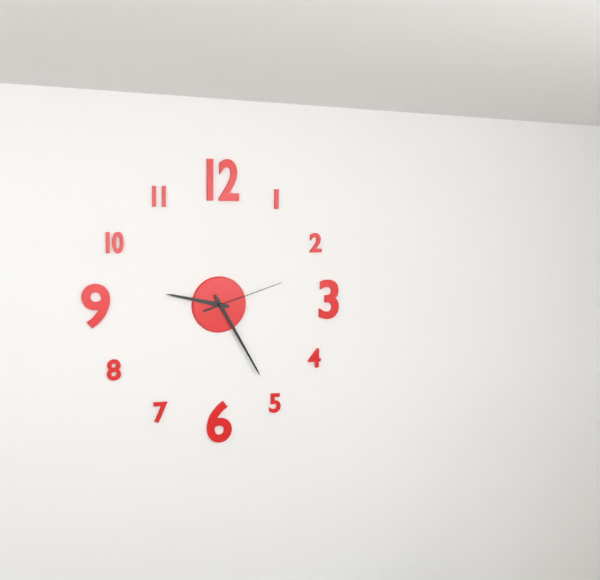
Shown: 9:25:12
